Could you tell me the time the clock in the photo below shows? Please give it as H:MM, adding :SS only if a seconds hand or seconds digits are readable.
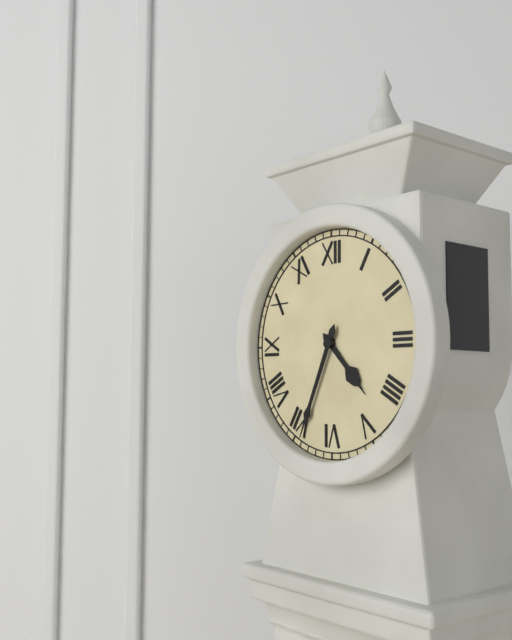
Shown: 4:34
